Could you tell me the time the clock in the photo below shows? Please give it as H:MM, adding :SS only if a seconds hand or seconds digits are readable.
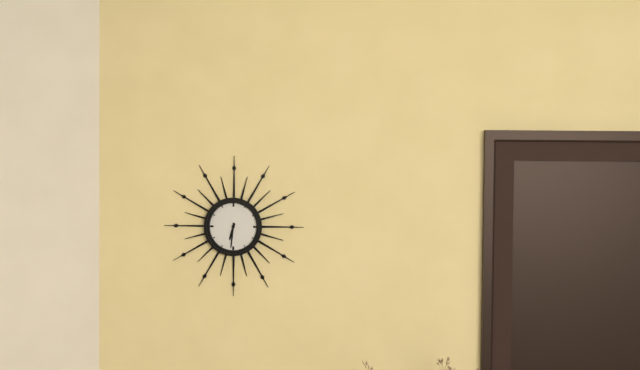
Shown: 6:31
